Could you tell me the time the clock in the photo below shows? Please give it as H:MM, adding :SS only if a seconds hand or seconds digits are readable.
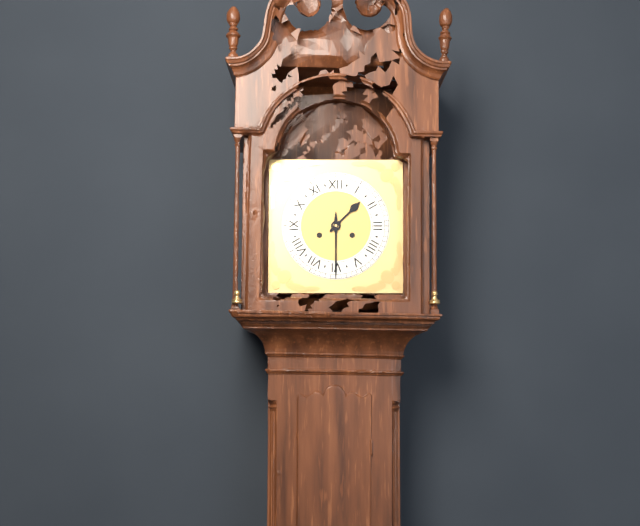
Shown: 1:30
